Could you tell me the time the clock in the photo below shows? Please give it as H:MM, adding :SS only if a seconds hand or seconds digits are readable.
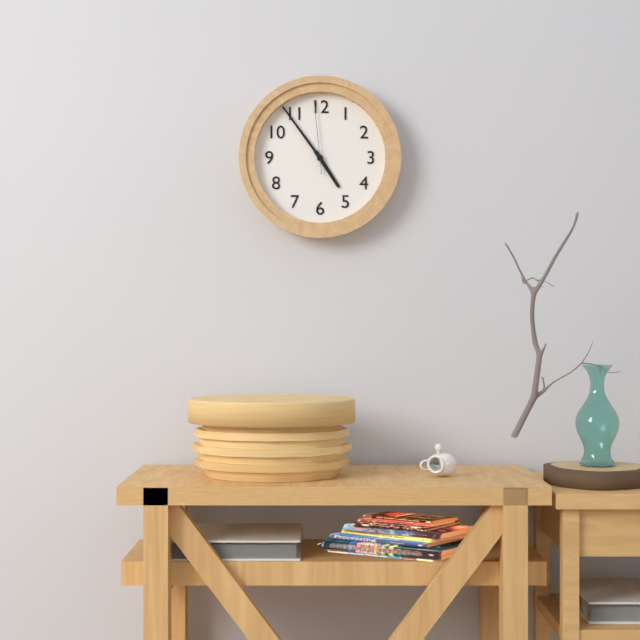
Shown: 4:54:59
